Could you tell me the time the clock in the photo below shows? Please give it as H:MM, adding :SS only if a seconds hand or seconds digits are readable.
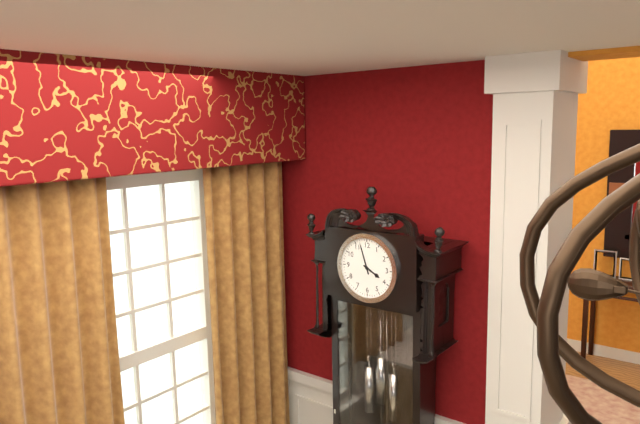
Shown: 3:57
